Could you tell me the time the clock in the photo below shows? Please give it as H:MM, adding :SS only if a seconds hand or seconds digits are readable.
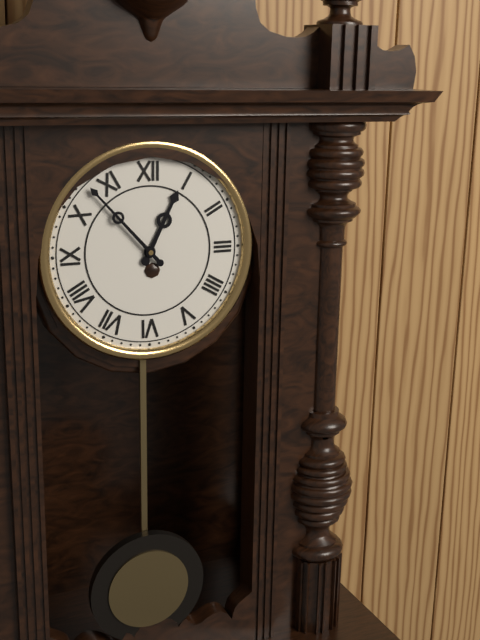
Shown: 12:53
